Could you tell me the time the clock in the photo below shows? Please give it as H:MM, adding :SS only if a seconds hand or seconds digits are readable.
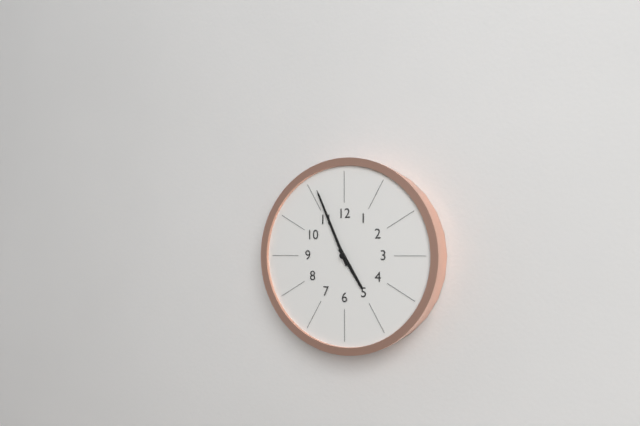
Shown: 4:56
